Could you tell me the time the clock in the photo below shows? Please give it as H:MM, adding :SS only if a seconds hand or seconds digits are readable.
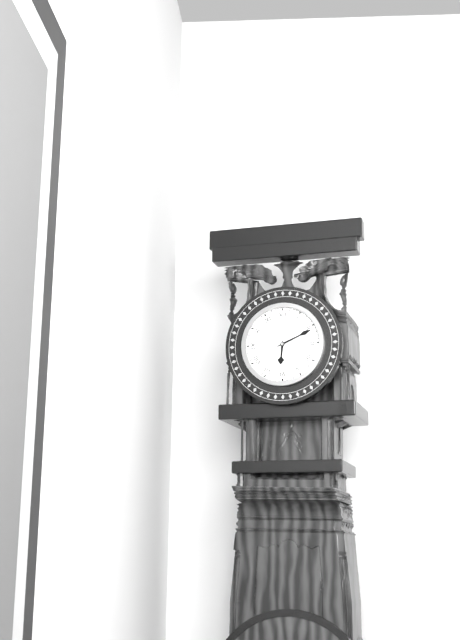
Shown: 6:11
